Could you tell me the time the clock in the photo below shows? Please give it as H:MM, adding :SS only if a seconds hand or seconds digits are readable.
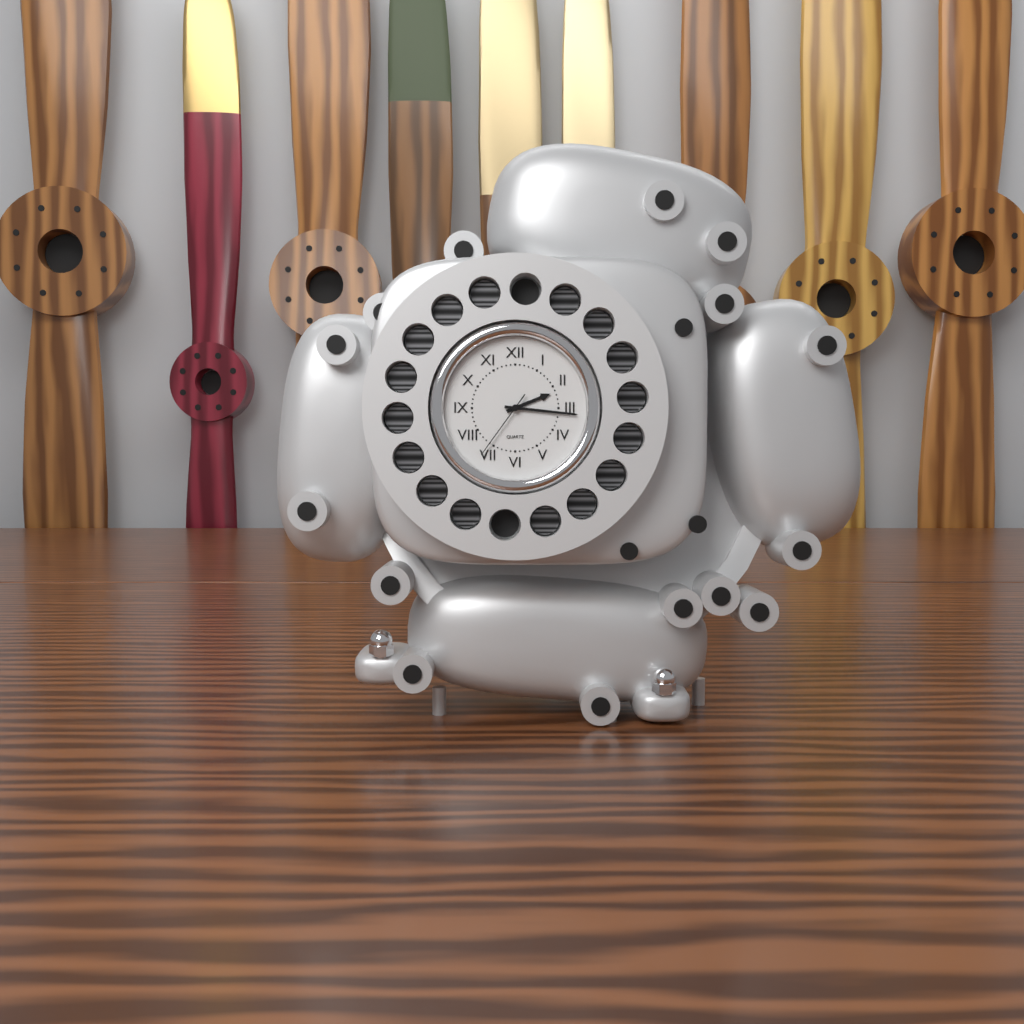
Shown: 2:16:36
